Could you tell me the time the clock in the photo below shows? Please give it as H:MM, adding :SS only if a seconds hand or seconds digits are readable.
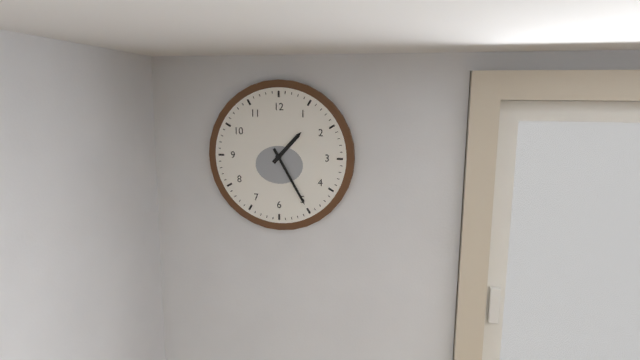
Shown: 1:25
